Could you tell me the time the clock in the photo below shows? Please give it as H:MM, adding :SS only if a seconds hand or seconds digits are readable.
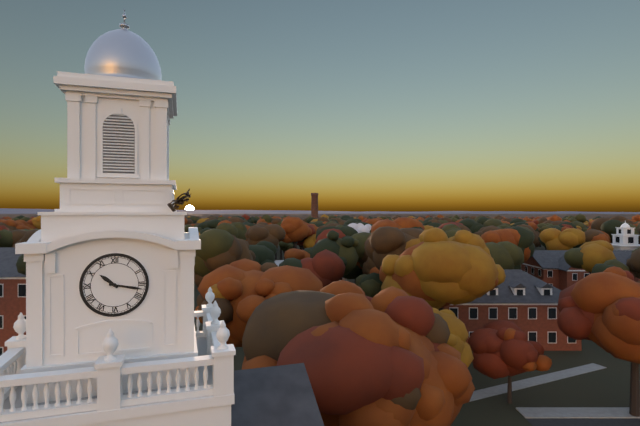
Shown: 10:17
